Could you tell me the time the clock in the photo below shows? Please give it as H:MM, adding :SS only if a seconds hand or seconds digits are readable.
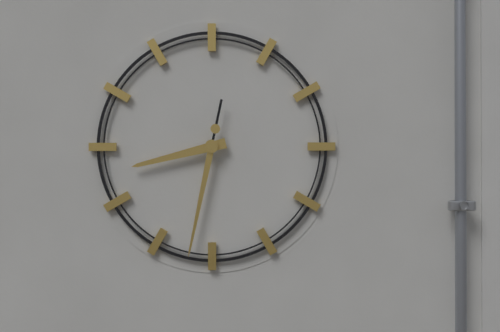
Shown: 8:32
